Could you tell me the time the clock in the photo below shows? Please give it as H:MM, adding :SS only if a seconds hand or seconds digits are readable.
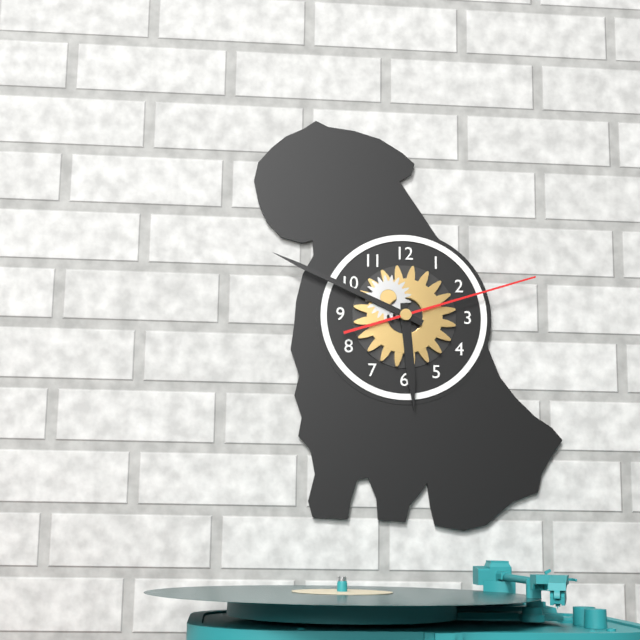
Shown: 5:49:12
